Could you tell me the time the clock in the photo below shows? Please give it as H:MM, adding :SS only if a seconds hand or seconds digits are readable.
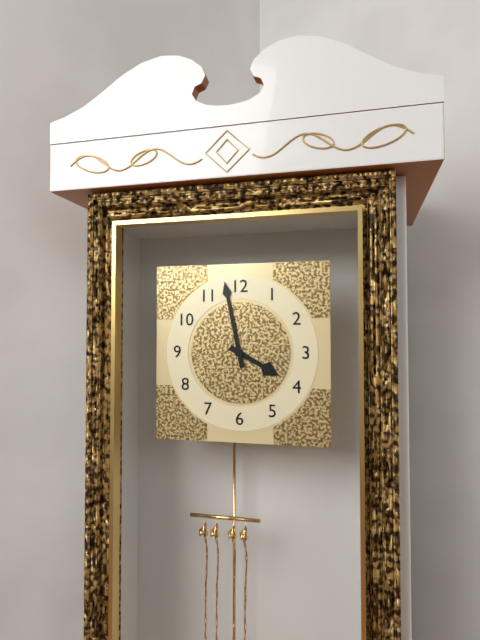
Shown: 3:58
